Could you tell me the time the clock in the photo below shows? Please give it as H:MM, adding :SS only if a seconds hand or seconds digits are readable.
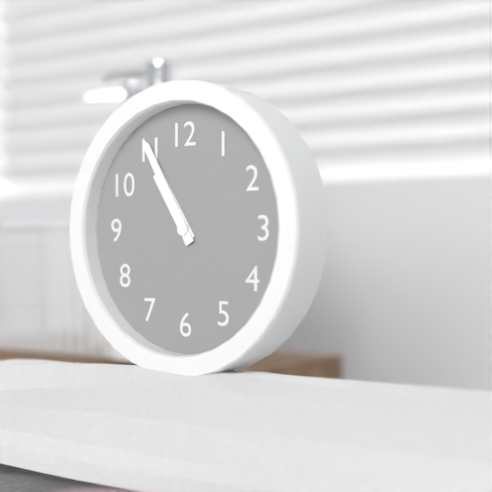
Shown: 10:55
